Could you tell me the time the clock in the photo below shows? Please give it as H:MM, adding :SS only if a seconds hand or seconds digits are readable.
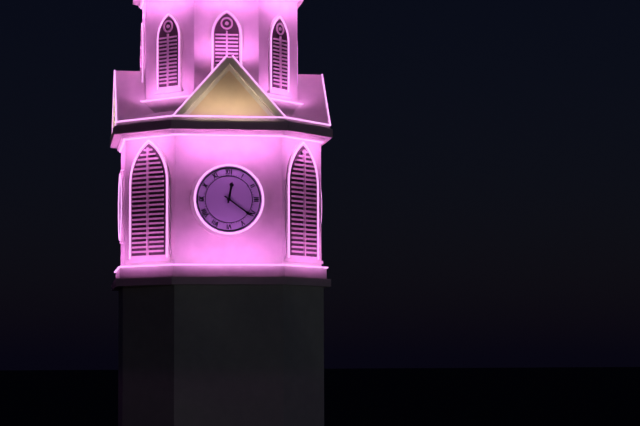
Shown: 12:21
